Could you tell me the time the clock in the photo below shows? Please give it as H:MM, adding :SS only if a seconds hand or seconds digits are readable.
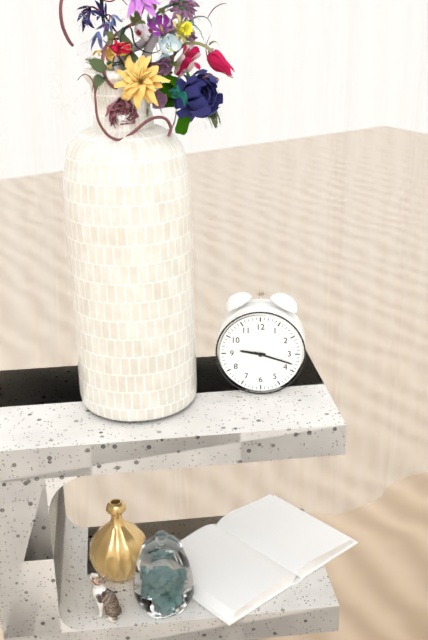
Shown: 9:18
